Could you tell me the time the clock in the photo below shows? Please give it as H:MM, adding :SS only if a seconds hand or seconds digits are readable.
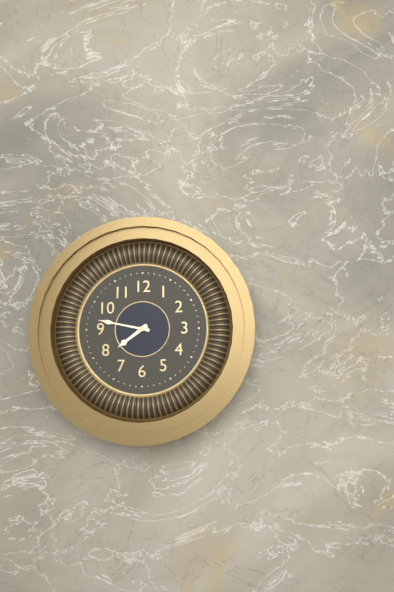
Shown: 7:47
